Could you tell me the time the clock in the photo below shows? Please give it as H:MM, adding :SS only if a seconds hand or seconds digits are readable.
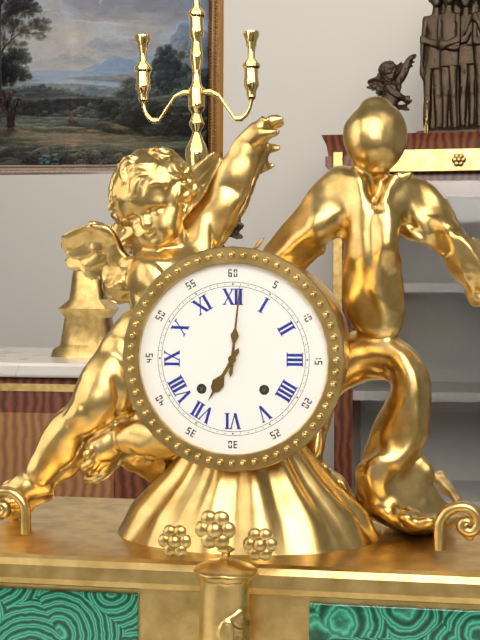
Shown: 7:01
